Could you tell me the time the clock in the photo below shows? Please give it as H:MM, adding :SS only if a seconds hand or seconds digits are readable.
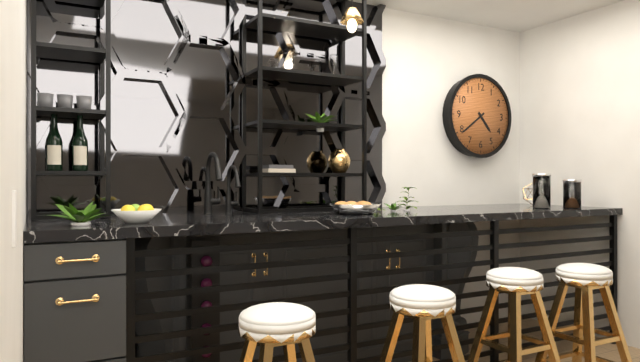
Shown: 4:39
